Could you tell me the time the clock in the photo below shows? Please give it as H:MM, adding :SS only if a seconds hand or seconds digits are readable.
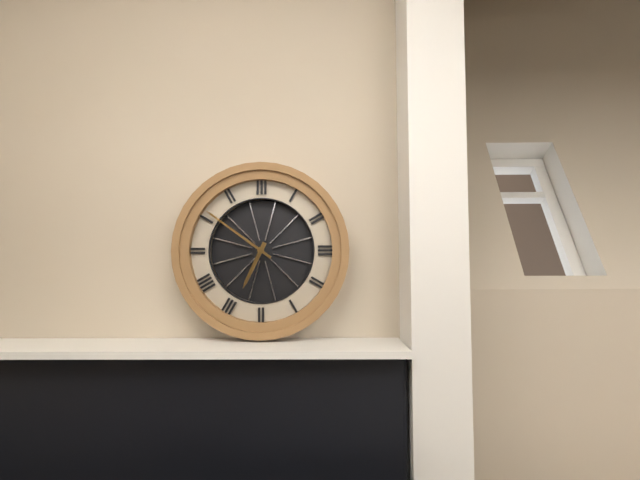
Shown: 6:51
